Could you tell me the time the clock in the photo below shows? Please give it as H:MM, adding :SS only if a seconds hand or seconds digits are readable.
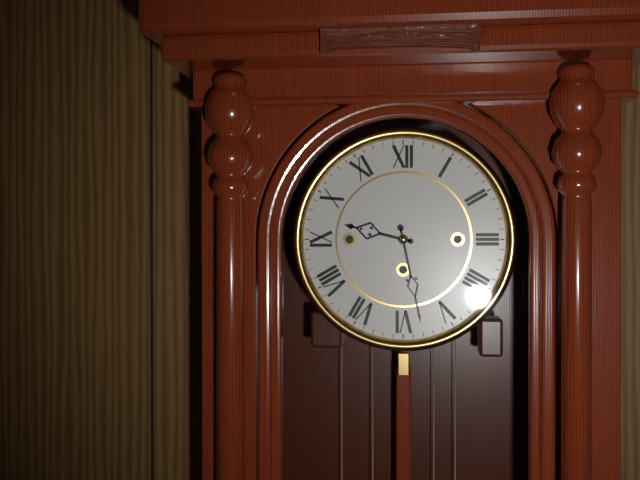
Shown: 9:28
